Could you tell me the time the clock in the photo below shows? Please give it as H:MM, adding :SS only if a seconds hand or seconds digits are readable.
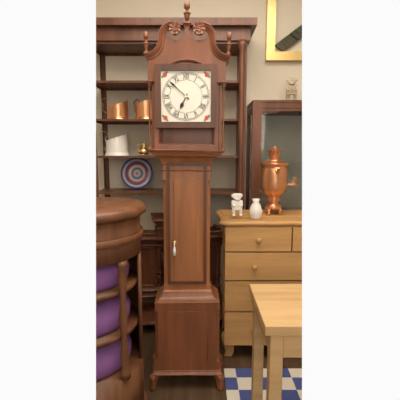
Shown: 6:52
